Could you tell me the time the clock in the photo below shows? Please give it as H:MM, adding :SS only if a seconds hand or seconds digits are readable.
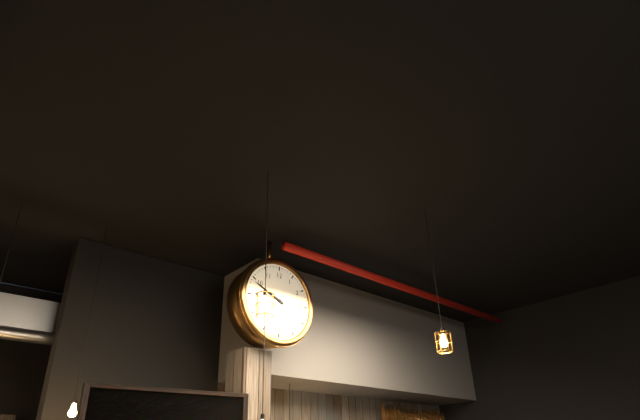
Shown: 9:49
